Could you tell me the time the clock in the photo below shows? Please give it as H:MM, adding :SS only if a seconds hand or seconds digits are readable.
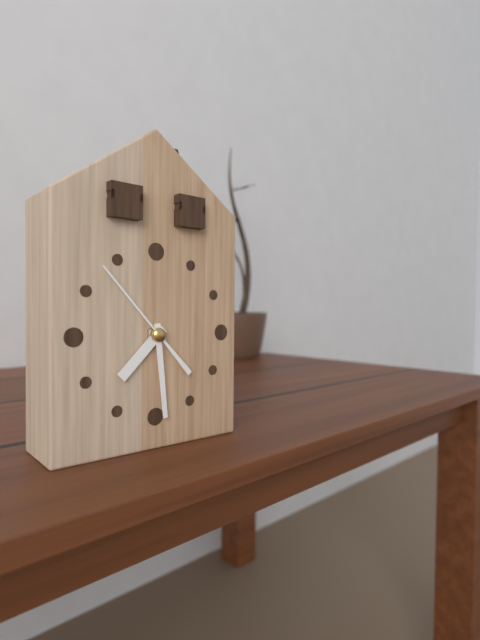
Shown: 7:29:53
